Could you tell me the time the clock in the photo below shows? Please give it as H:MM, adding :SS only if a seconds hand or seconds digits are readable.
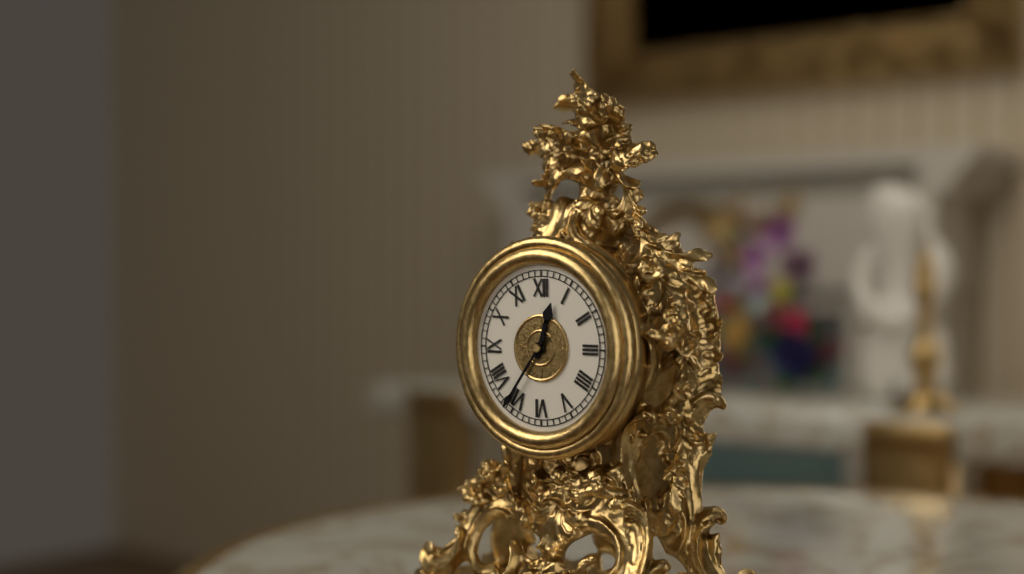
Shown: 12:36
